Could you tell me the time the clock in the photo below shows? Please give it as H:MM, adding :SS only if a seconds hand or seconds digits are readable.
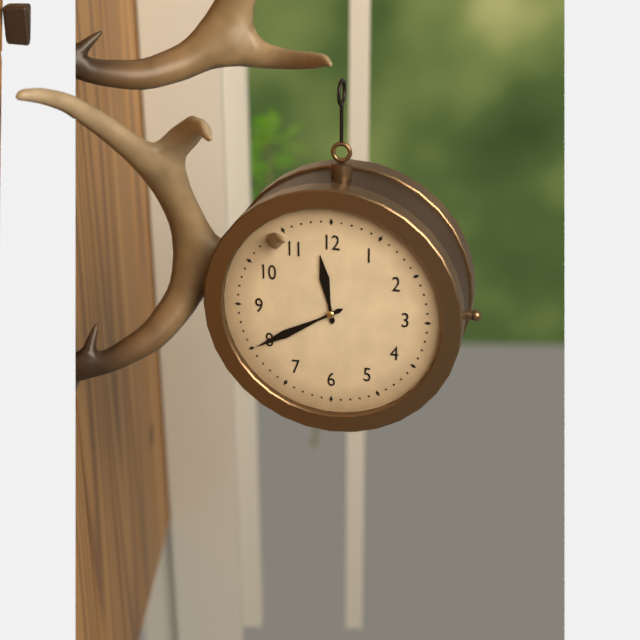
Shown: 11:40
